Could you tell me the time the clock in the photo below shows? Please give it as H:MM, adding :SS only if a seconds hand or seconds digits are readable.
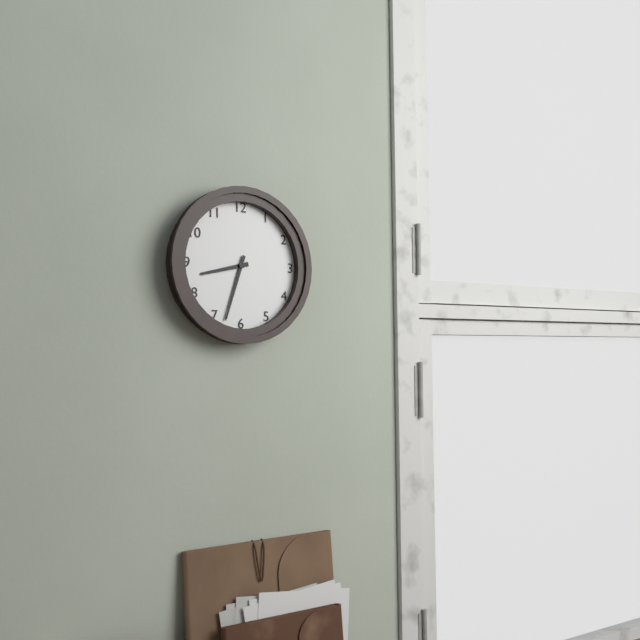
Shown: 8:33
